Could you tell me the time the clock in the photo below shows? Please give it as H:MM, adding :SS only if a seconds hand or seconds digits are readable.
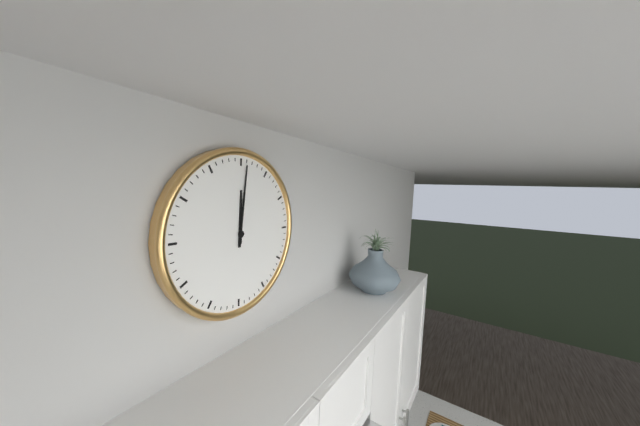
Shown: 12:01
